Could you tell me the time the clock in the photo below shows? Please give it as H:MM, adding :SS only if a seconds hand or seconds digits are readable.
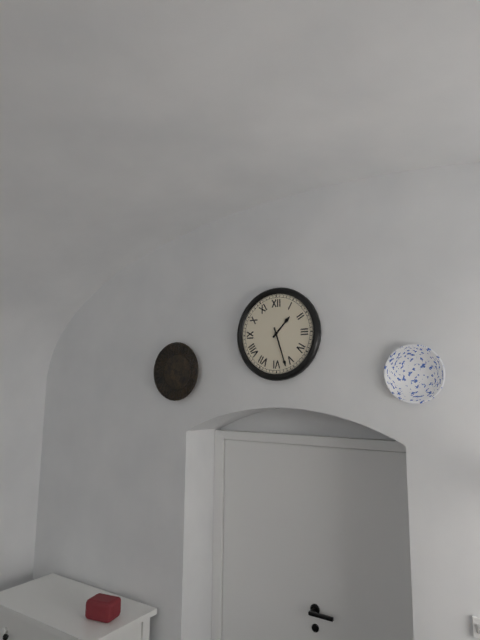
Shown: 1:27
